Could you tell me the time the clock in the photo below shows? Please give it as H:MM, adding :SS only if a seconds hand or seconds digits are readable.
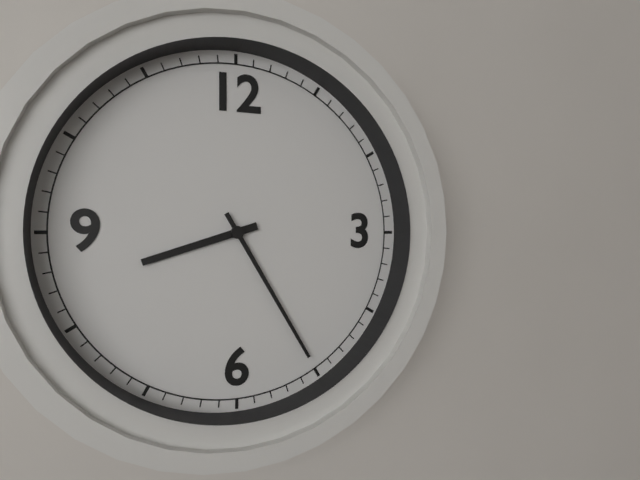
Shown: 8:25
